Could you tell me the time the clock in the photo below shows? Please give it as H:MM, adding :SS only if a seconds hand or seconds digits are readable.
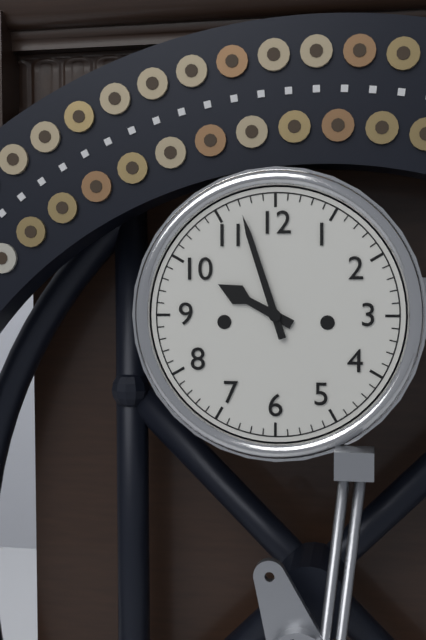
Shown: 9:57
